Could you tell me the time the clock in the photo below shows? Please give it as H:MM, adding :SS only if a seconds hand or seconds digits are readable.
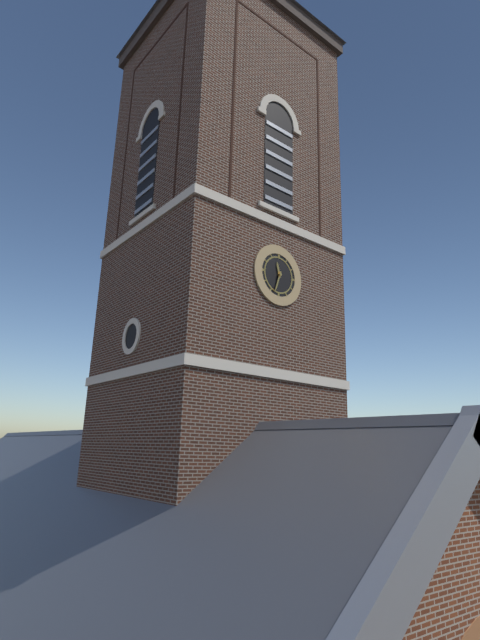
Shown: 11:33
